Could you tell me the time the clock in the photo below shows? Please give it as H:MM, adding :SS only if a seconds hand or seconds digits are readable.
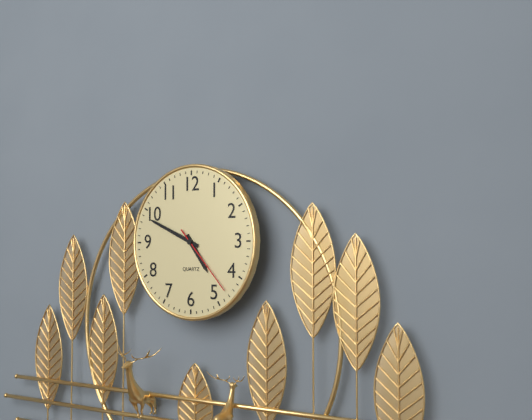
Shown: 4:49:23
